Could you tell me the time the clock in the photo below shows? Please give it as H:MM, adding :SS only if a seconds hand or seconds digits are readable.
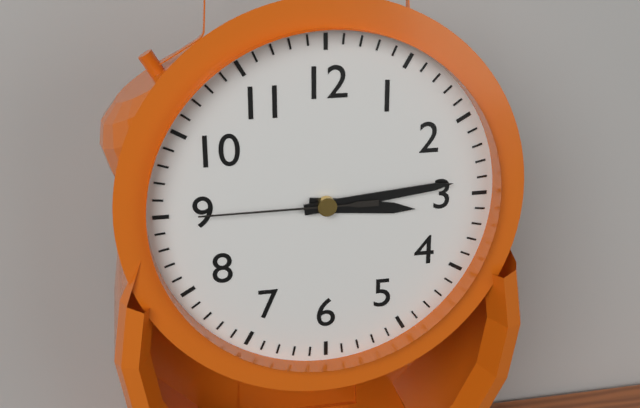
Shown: 3:14:45
